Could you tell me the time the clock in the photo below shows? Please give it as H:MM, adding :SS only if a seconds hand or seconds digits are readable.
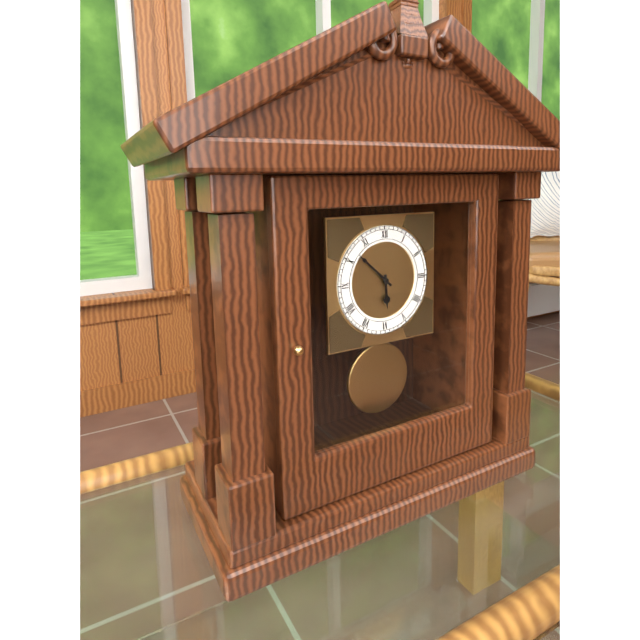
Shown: 5:52
